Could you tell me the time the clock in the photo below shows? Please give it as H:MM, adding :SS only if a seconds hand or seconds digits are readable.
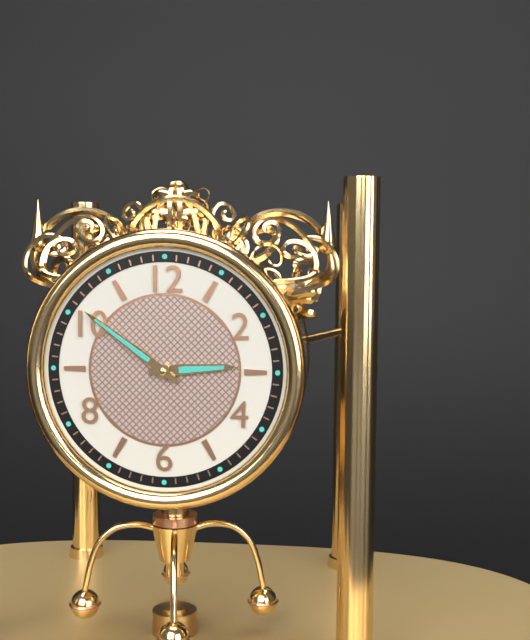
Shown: 2:51
